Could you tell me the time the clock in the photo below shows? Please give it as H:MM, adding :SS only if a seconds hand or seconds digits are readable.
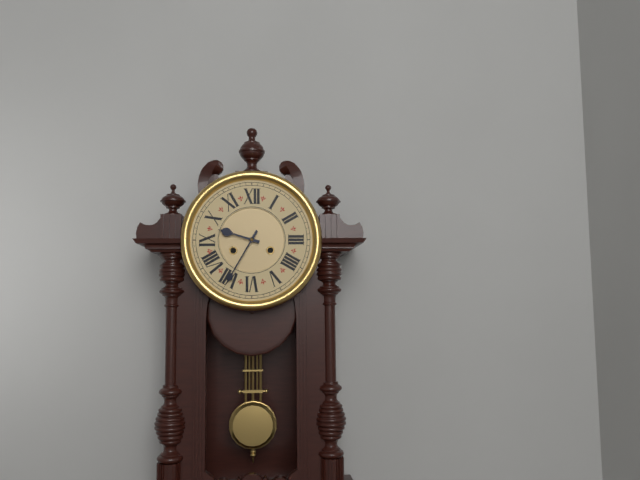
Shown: 9:35
